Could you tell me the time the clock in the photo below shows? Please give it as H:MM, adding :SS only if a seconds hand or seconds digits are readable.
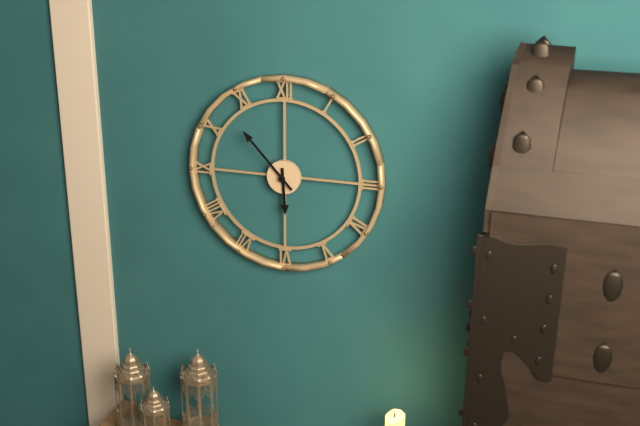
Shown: 5:53
